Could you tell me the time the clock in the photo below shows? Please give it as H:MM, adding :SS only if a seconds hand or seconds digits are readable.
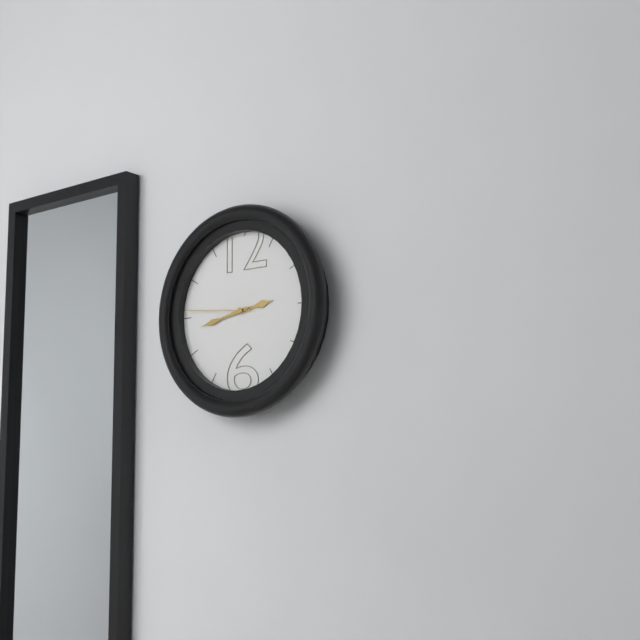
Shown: 2:43:46
